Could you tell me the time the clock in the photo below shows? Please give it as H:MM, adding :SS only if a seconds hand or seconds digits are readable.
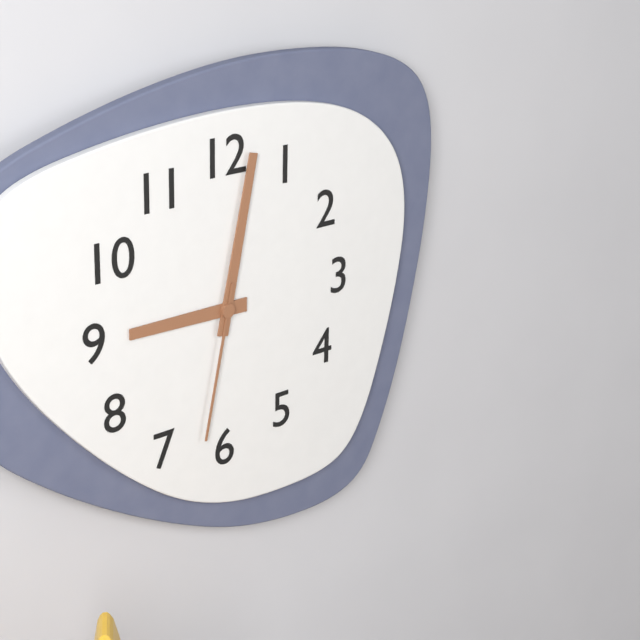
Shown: 9:02:32
